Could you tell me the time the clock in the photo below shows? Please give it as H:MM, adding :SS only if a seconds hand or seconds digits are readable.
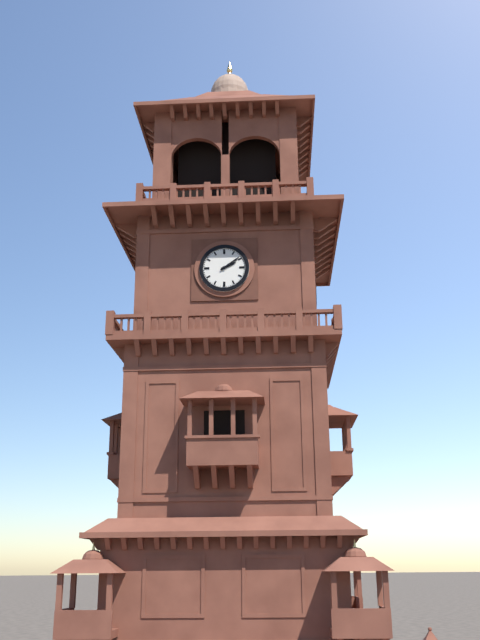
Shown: 2:09
